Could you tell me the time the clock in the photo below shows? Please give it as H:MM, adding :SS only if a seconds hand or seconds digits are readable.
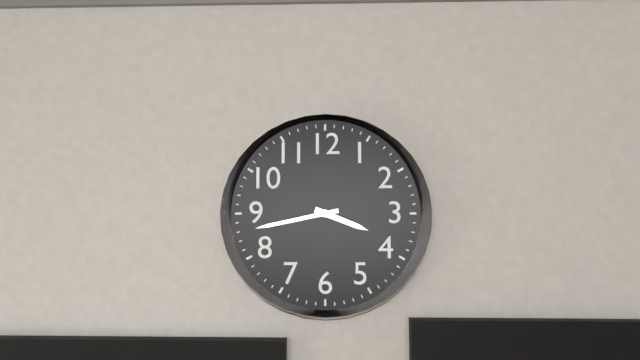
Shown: 3:43
